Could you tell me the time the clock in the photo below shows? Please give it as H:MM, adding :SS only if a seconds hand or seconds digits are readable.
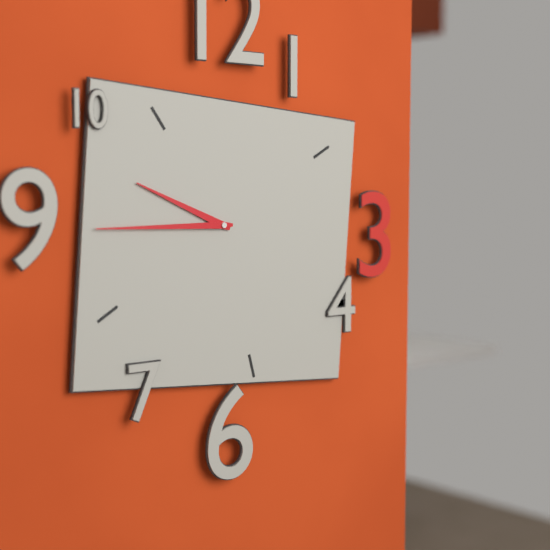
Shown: 9:45
